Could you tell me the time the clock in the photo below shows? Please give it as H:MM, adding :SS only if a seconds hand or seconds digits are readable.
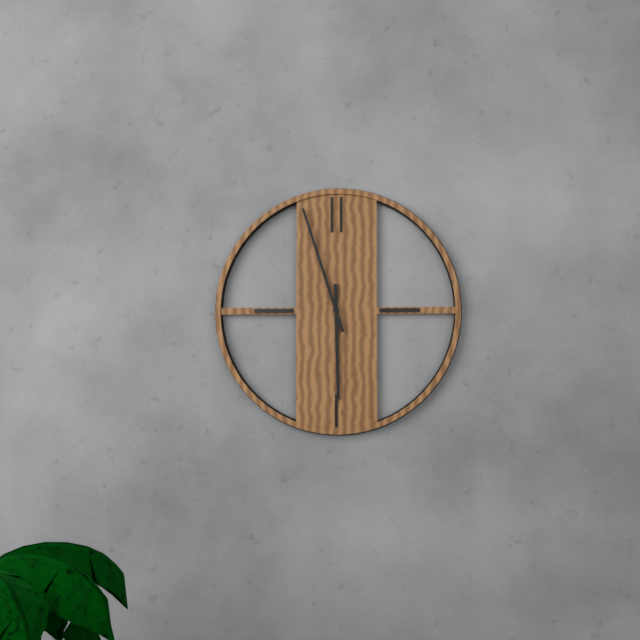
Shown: 5:57
